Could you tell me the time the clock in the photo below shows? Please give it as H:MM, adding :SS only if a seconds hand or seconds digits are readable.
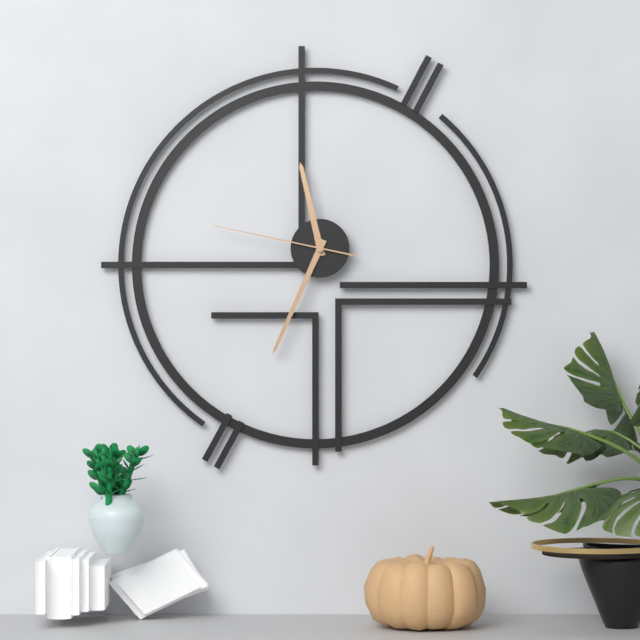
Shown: 11:34:47
